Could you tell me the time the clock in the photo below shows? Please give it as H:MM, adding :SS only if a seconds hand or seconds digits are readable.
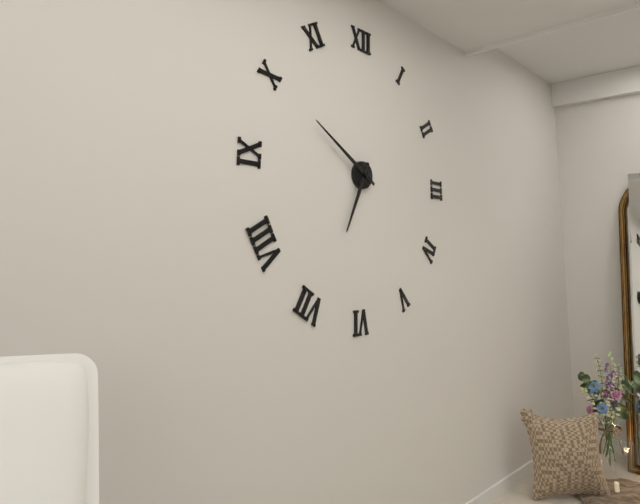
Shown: 6:50
